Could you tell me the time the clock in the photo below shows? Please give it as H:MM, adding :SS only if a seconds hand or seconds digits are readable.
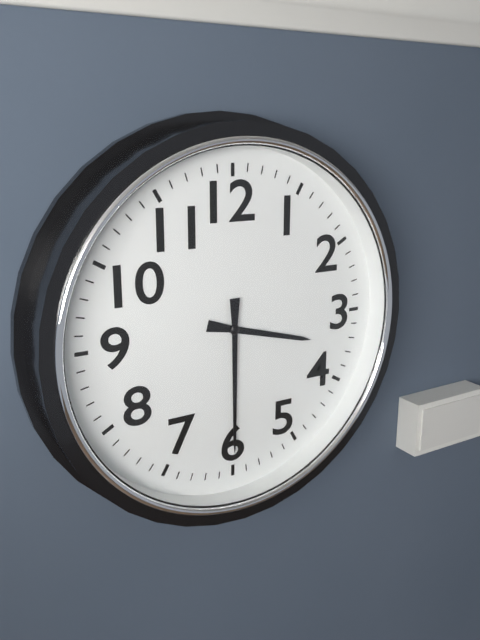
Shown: 3:30
